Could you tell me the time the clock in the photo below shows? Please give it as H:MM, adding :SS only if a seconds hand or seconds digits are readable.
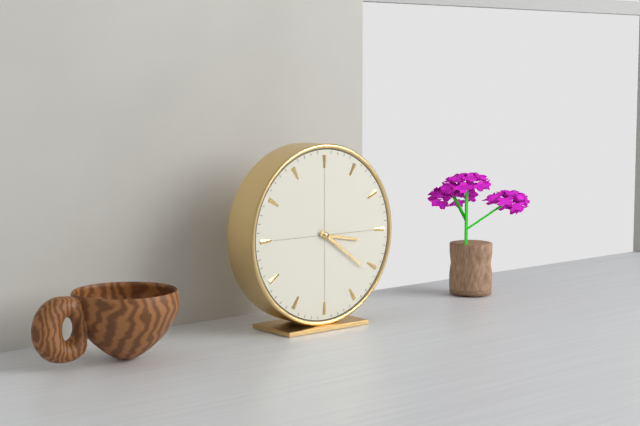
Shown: 3:21
